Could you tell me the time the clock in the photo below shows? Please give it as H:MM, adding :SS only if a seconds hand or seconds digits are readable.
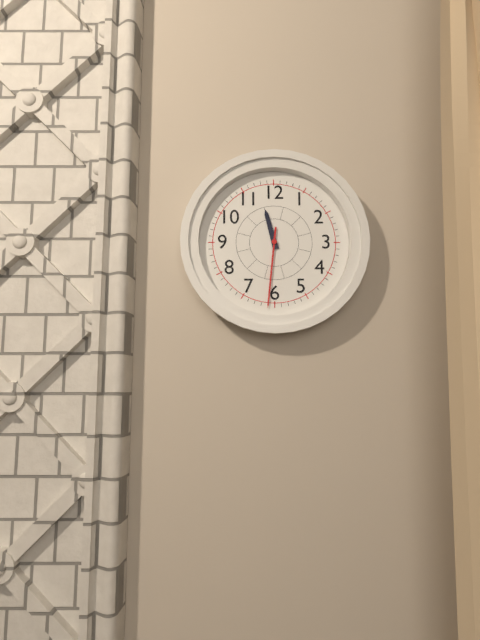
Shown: 11:31
